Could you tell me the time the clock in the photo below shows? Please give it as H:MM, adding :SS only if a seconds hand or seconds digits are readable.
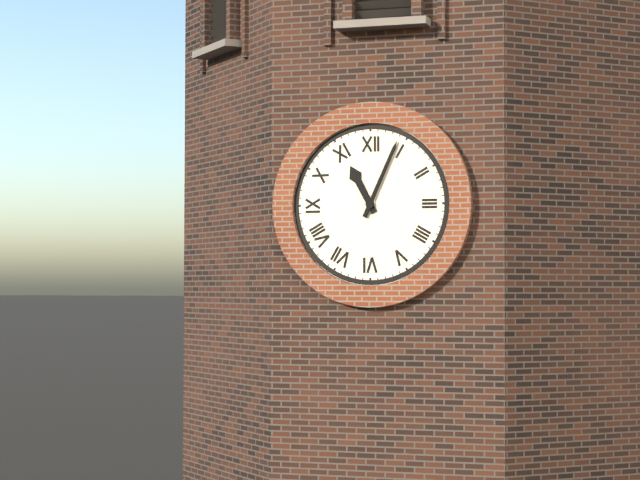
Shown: 11:04
